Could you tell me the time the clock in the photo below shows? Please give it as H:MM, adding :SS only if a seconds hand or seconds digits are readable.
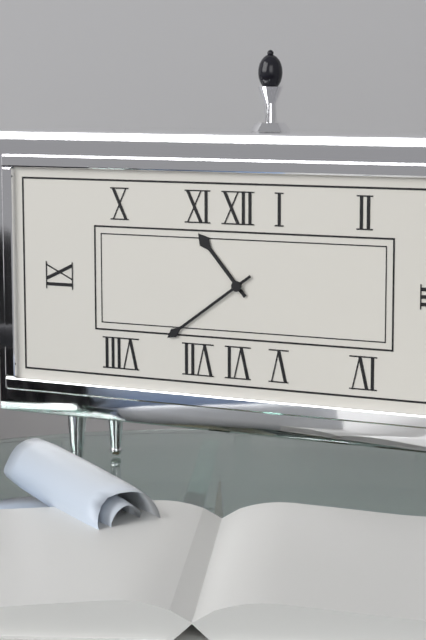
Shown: 10:39
